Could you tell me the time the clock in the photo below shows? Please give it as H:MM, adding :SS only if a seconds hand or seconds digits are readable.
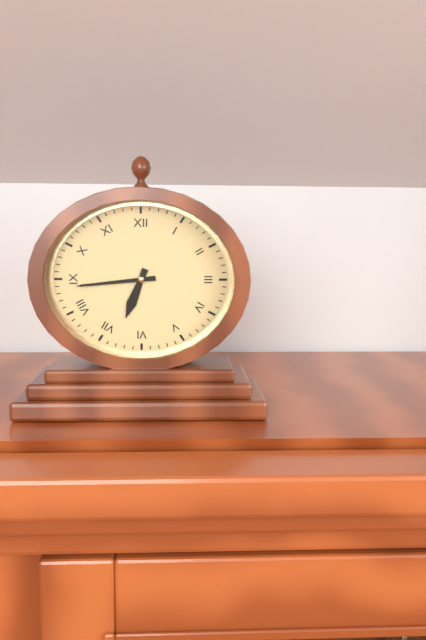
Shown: 6:44
